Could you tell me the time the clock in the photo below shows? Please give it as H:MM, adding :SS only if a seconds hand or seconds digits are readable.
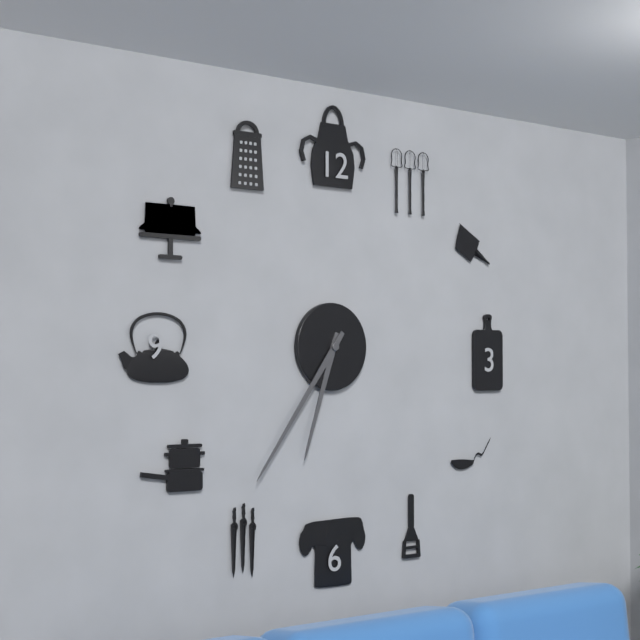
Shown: 6:36
